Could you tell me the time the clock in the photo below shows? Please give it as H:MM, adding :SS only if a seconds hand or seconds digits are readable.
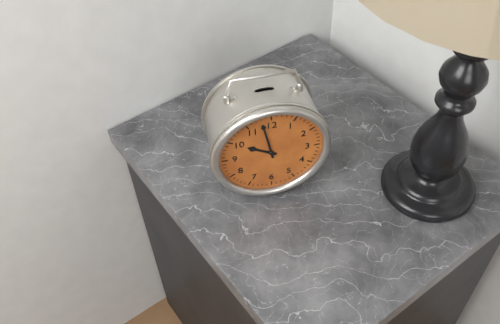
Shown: 9:58
